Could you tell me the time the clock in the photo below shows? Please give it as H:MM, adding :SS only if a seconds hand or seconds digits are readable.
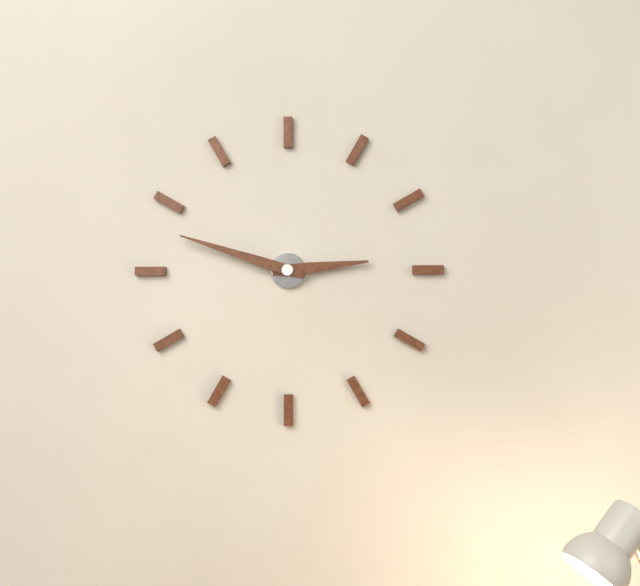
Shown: 2:48
